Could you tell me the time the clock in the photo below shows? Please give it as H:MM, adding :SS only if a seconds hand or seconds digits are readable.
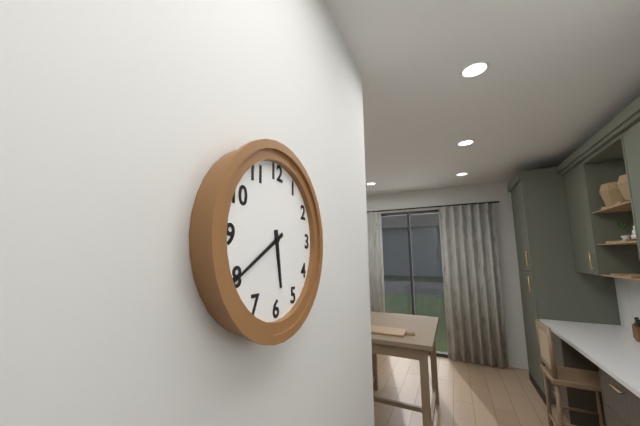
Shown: 5:40
